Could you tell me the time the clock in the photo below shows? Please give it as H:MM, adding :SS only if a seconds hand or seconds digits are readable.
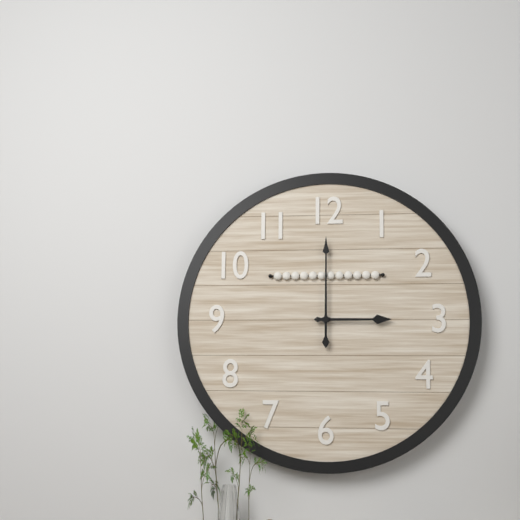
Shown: 3:00
